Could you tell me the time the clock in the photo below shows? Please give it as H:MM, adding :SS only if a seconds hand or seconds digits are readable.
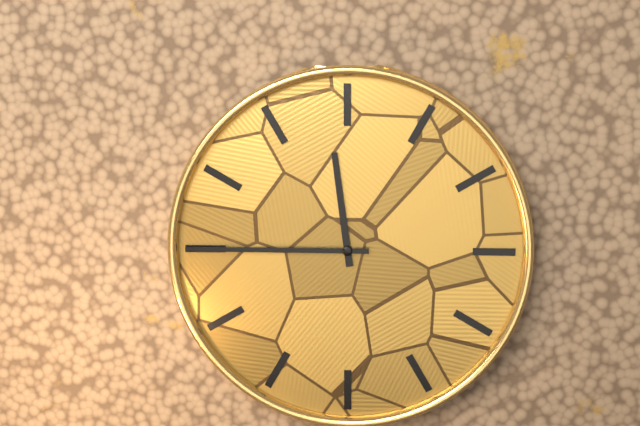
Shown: 11:45
